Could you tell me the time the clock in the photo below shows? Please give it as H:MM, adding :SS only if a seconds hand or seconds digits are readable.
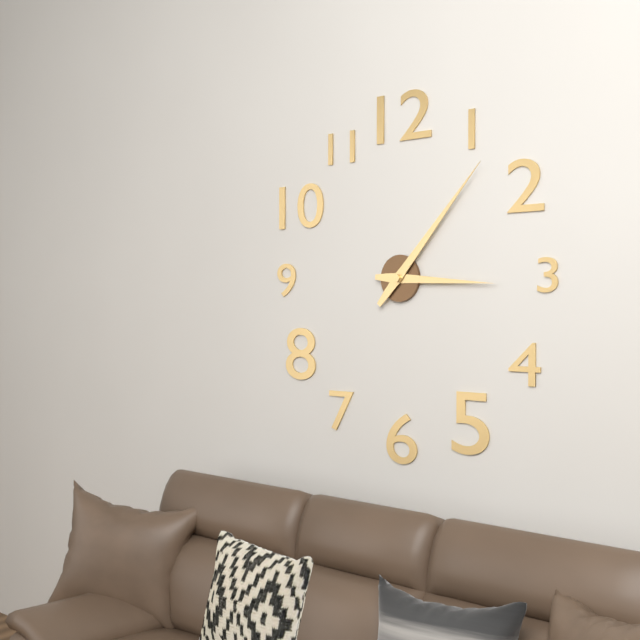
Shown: 3:07
